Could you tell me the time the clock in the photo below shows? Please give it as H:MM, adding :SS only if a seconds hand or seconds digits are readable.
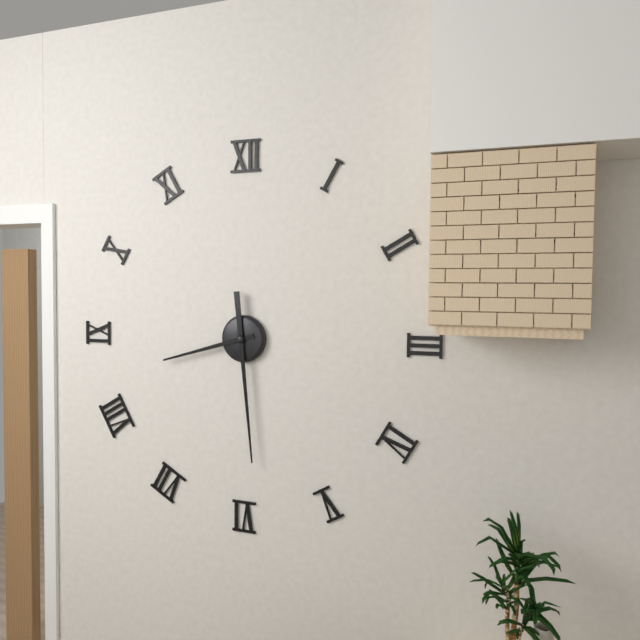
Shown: 8:29
